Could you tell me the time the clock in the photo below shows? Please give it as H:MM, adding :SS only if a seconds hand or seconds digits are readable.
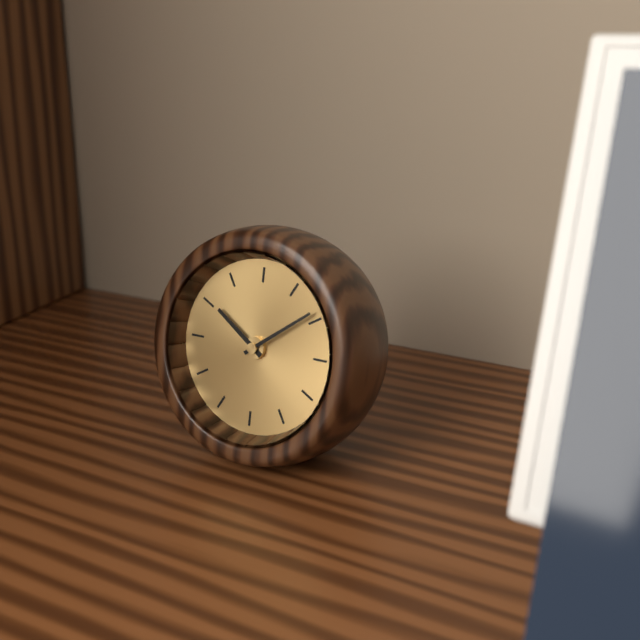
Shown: 10:09
